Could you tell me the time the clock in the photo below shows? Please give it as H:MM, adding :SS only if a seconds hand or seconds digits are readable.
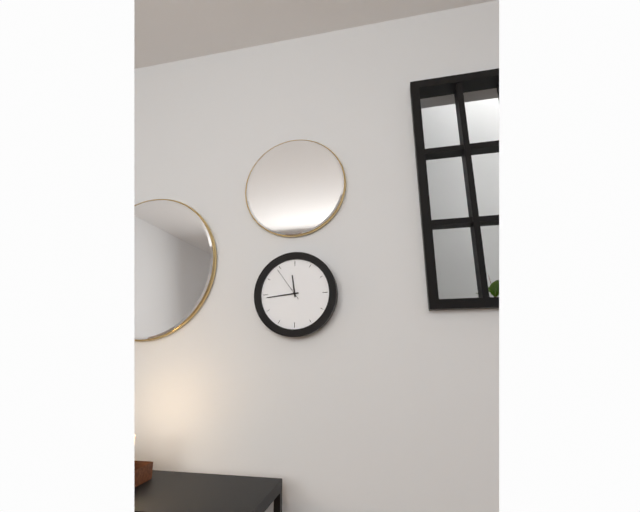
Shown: 11:44
